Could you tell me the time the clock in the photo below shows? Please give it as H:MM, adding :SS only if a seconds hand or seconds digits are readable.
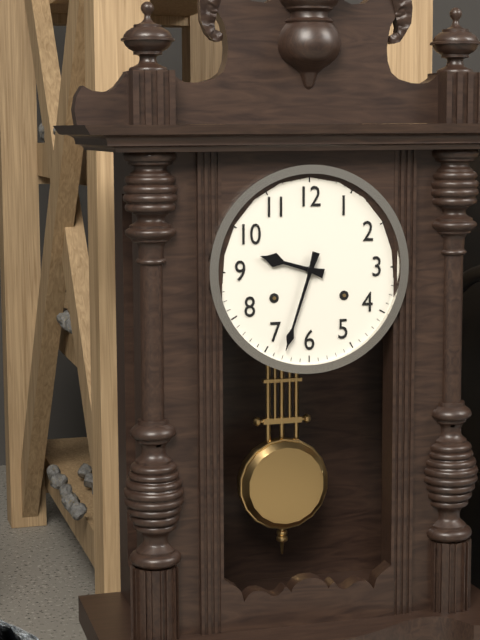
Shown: 9:33
